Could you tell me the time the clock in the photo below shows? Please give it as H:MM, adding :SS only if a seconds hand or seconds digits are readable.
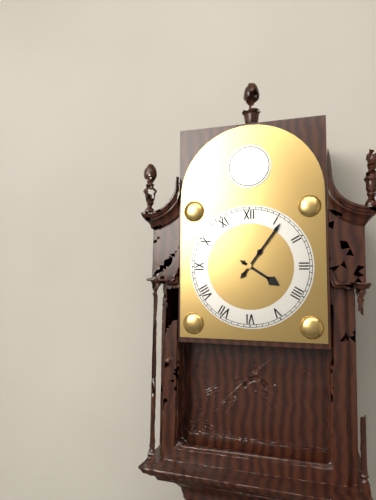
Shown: 4:06
